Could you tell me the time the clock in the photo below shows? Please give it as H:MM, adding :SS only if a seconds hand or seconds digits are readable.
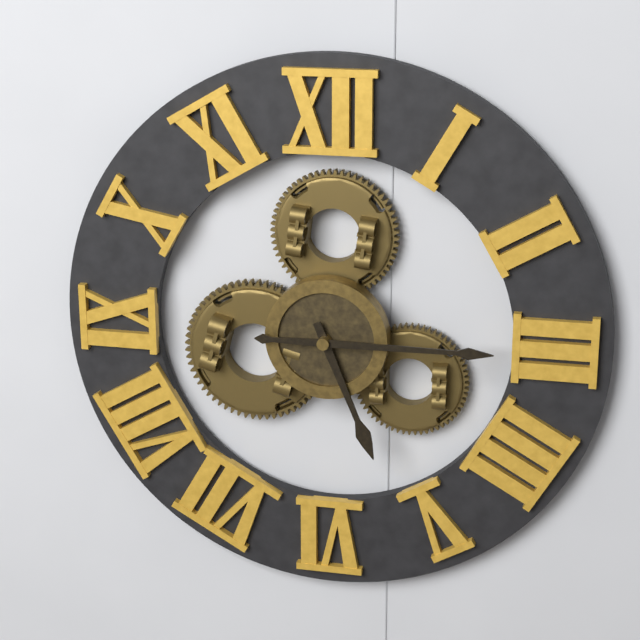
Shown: 5:15
